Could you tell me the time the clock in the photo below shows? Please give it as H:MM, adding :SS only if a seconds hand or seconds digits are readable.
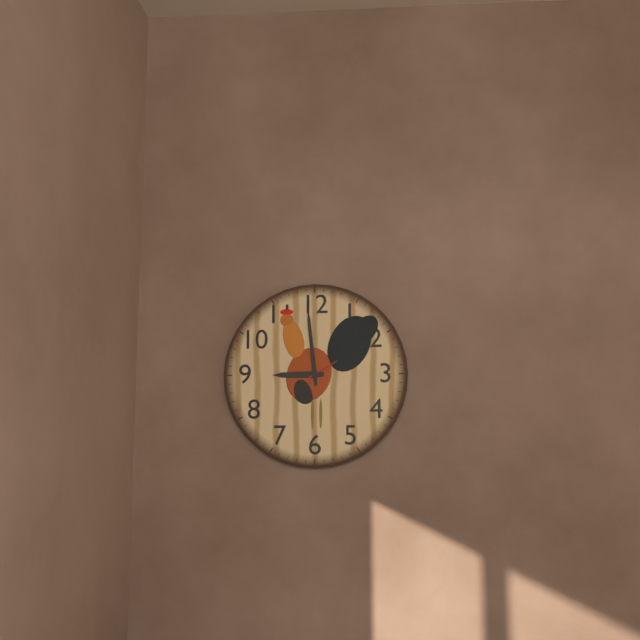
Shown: 8:59
